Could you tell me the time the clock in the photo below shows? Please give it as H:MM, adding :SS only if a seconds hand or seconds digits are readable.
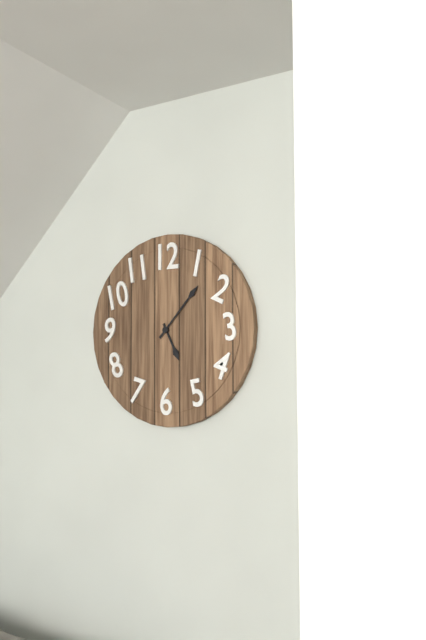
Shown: 5:07
